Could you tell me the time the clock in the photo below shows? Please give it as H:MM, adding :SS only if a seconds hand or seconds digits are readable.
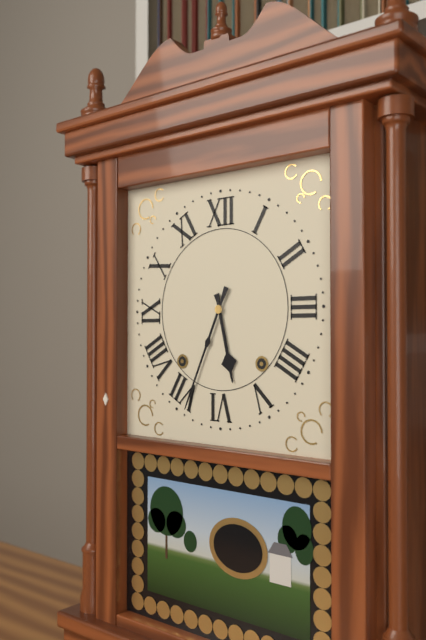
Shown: 5:34
